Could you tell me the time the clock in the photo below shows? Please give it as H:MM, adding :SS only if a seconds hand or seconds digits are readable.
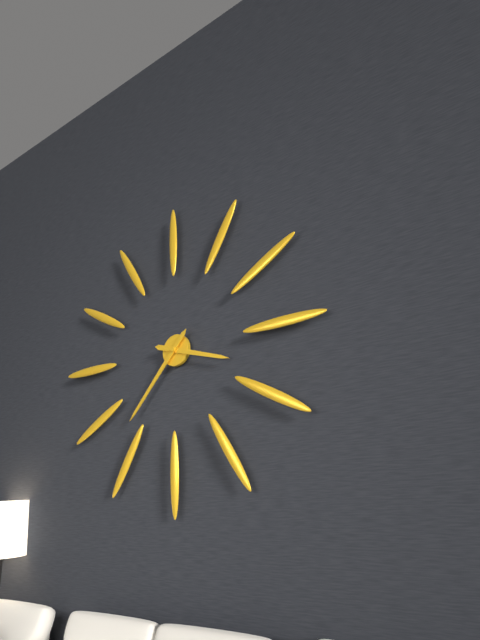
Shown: 3:37
